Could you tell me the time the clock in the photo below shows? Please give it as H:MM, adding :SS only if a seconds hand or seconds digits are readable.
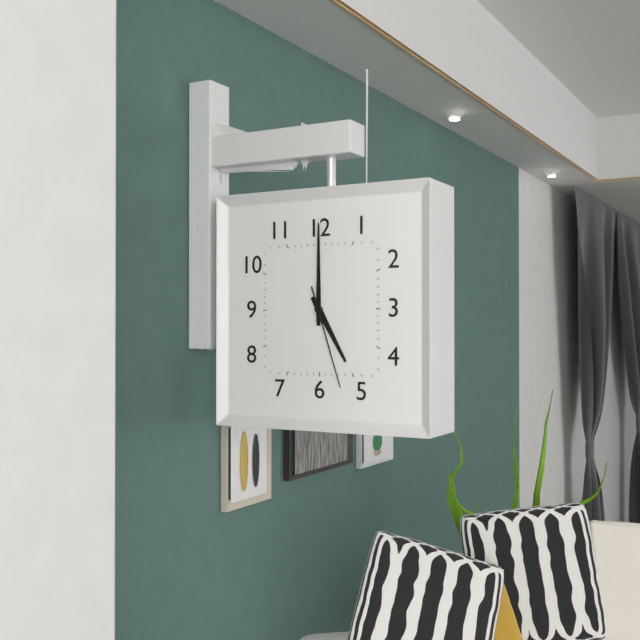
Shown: 5:00:27
